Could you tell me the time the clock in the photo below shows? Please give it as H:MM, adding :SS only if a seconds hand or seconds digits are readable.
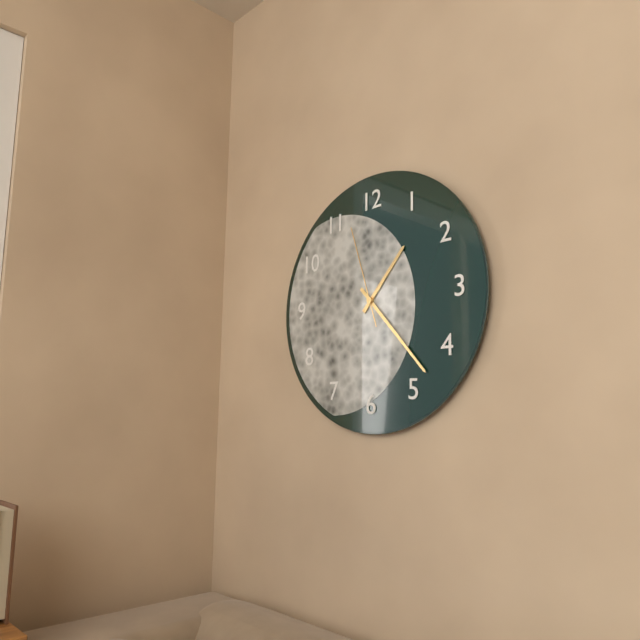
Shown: 1:23:57
